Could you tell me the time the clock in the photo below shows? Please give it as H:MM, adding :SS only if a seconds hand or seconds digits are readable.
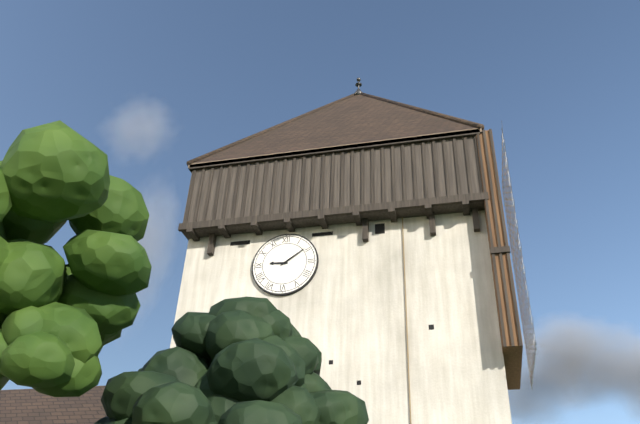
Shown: 9:09
